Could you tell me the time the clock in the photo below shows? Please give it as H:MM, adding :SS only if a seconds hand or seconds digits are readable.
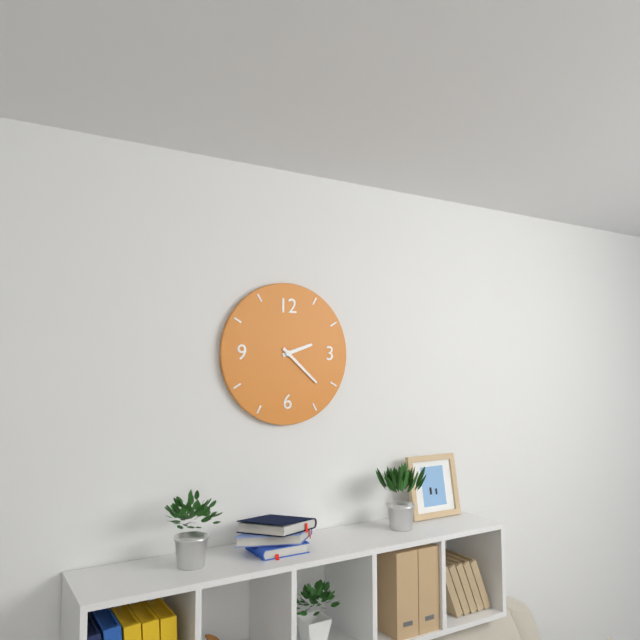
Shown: 2:22
